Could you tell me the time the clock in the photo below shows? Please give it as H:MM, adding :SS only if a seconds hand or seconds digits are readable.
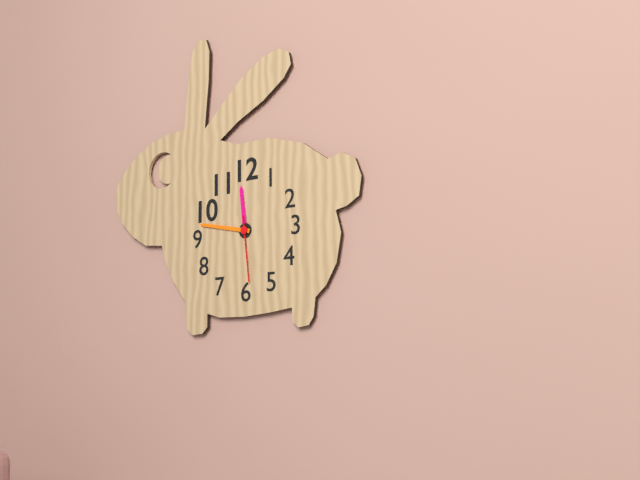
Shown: 11:47:29
